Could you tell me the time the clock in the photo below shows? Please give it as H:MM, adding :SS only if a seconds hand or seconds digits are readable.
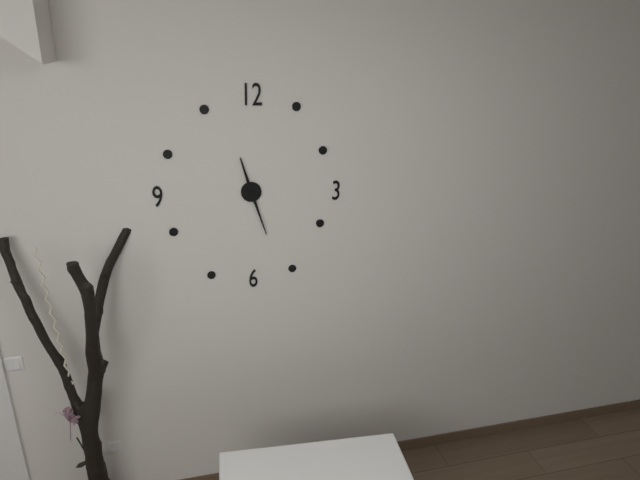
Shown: 11:27
